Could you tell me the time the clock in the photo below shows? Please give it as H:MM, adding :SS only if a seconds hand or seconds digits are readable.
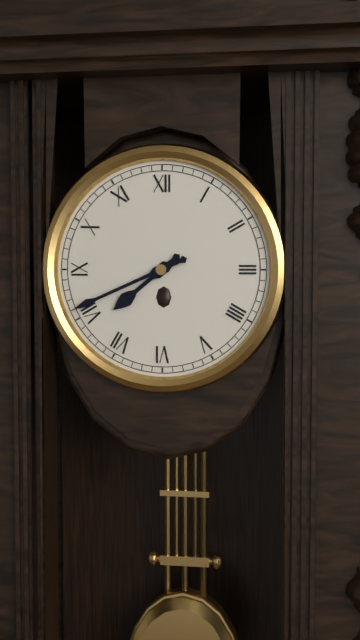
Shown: 7:41
